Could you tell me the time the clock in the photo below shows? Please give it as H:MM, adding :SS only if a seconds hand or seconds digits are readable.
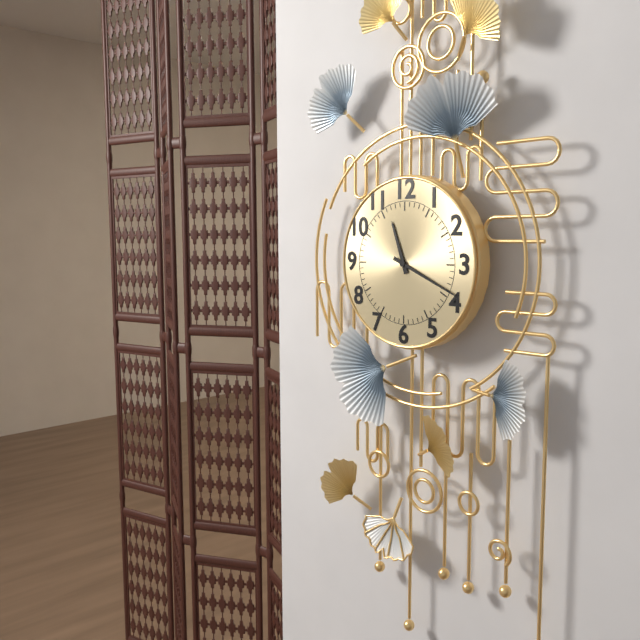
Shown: 11:19
